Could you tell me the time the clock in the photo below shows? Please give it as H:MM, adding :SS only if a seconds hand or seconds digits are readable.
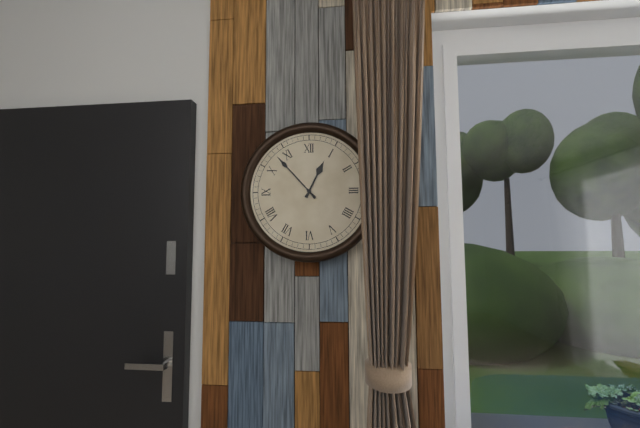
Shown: 12:53
